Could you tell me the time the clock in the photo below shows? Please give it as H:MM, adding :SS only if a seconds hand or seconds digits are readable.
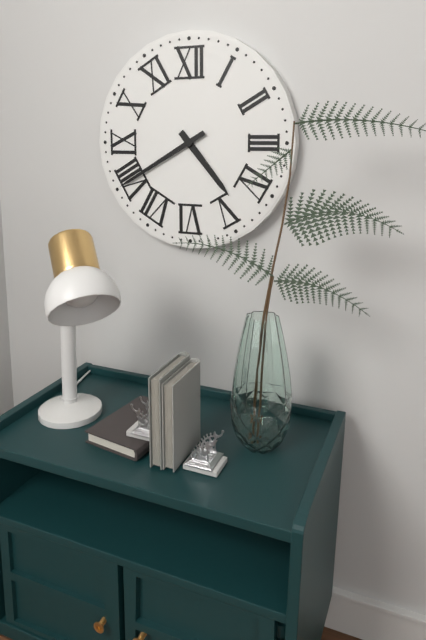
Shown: 4:40
